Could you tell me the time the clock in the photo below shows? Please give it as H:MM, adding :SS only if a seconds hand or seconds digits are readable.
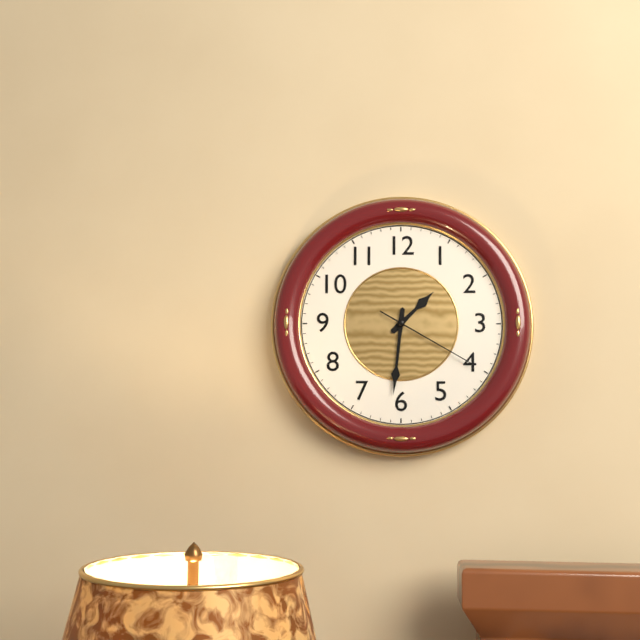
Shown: 1:31:20
